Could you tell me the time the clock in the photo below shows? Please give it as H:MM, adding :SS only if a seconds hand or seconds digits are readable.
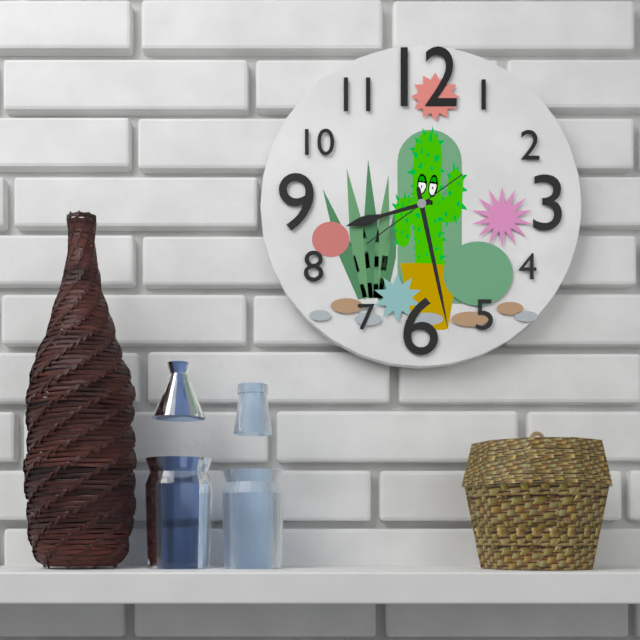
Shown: 8:28:39
